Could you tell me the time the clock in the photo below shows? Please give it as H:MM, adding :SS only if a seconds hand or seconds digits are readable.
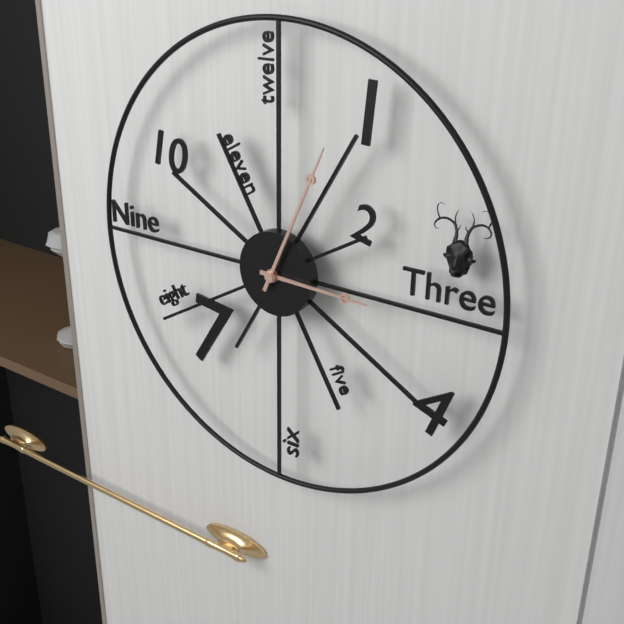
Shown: 3:04
